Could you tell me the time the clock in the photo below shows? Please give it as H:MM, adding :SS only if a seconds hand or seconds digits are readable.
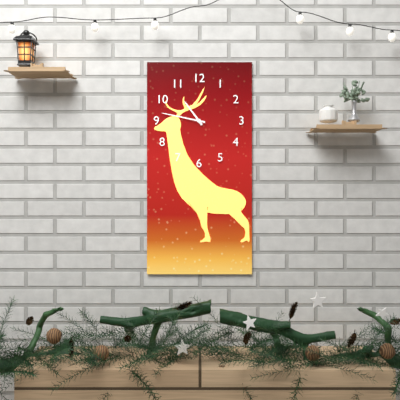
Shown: 10:47
